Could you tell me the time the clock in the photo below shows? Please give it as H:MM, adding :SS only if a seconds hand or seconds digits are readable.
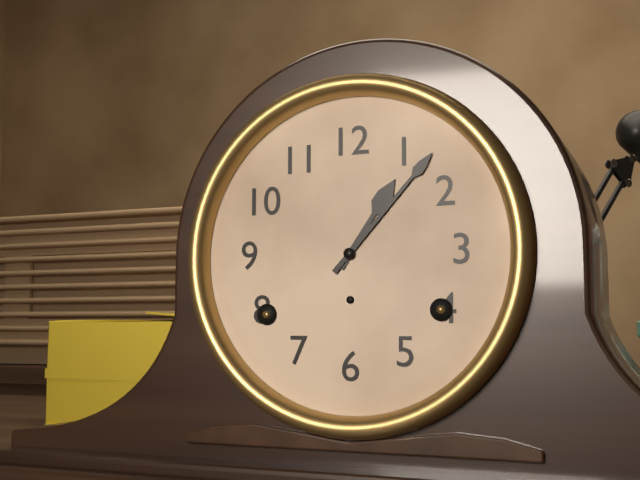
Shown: 1:07
